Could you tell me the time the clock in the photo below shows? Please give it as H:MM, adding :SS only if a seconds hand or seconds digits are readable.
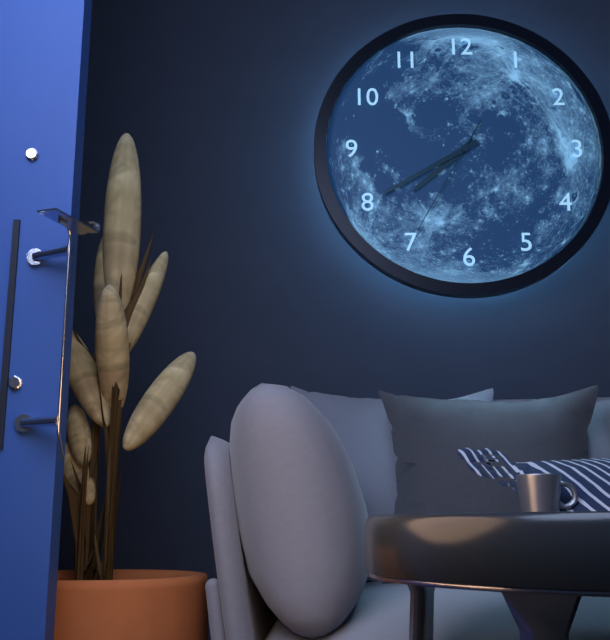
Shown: 7:40:35
